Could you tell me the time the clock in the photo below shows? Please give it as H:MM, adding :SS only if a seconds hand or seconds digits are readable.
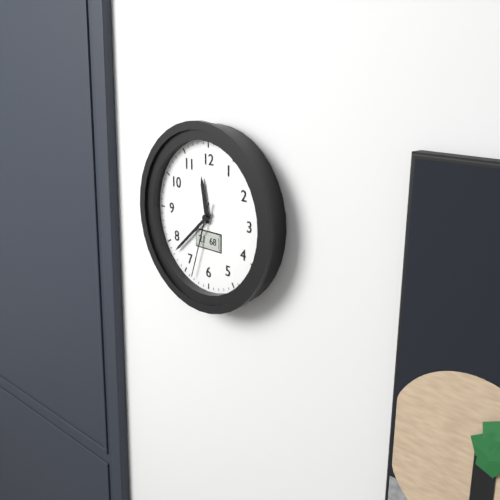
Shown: 11:38:33
